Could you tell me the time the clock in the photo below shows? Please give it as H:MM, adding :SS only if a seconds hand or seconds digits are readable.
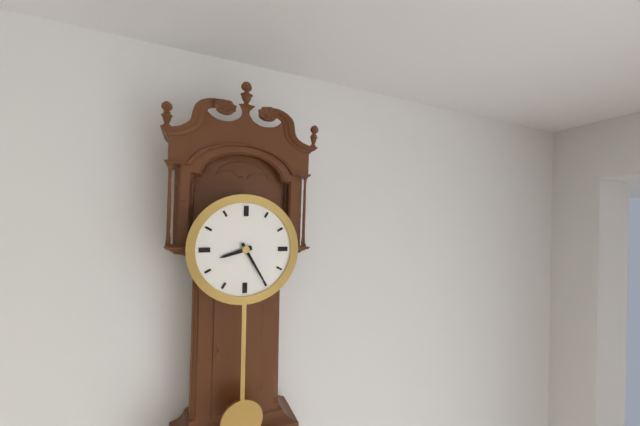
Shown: 8:25
